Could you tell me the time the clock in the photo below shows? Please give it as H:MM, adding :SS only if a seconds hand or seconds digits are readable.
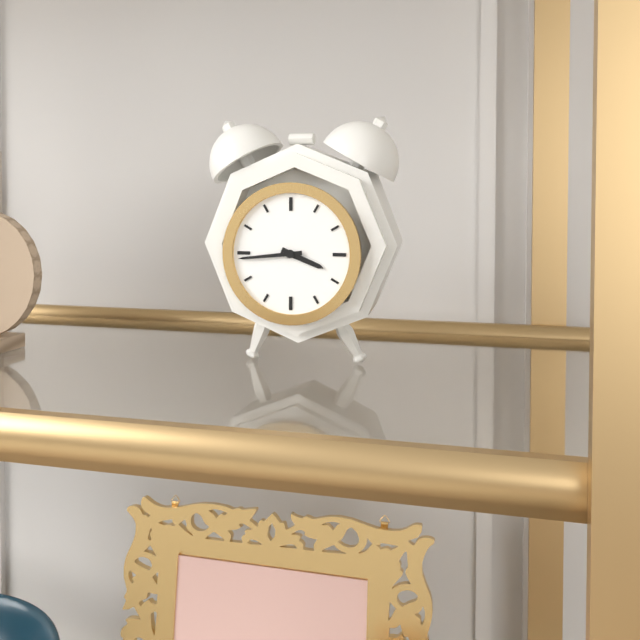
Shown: 3:44
